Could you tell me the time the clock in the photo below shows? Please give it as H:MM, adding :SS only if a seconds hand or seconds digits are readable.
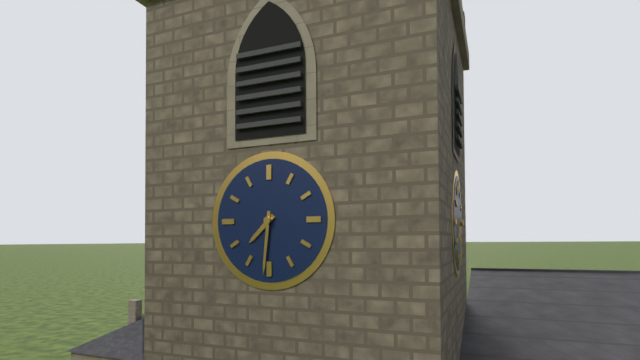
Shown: 7:31
